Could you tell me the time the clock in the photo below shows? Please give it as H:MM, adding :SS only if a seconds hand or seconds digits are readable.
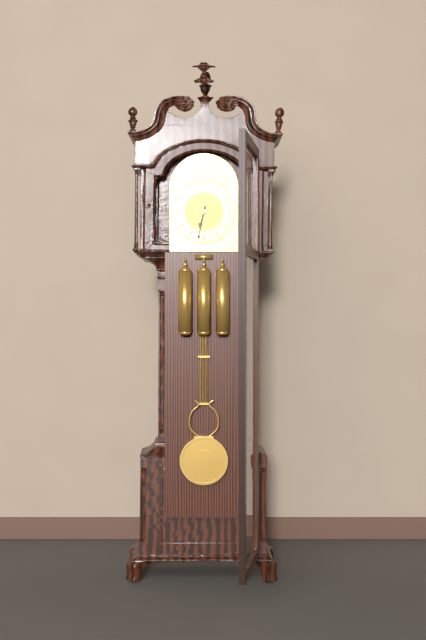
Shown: 6:32
